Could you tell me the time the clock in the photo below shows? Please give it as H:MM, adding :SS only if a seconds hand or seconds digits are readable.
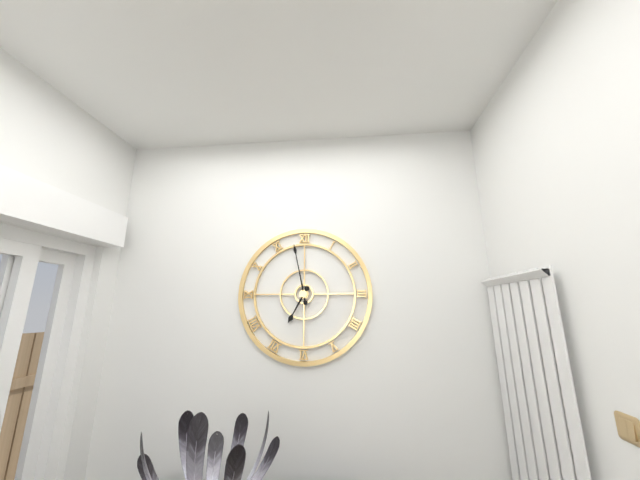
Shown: 6:58
